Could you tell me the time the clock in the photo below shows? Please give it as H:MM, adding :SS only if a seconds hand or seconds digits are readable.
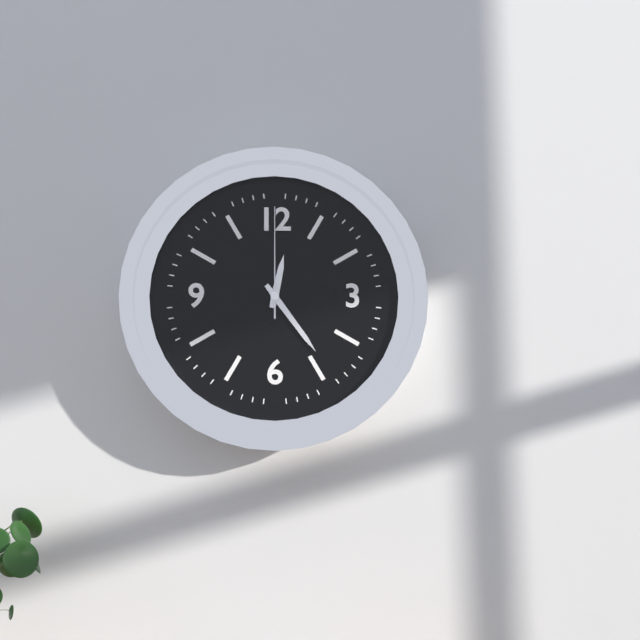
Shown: 12:24:00
